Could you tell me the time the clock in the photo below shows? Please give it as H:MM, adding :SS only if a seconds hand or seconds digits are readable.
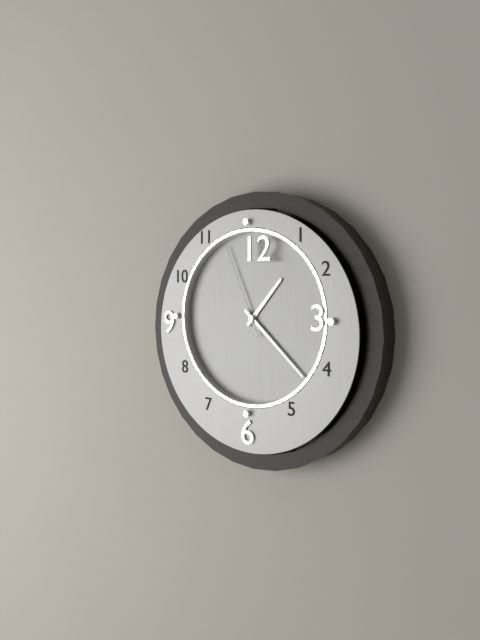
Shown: 1:22:56
